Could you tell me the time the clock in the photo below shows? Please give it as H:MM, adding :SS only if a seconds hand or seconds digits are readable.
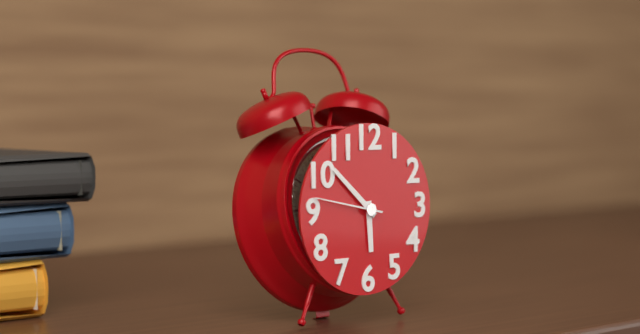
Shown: 5:52:47
